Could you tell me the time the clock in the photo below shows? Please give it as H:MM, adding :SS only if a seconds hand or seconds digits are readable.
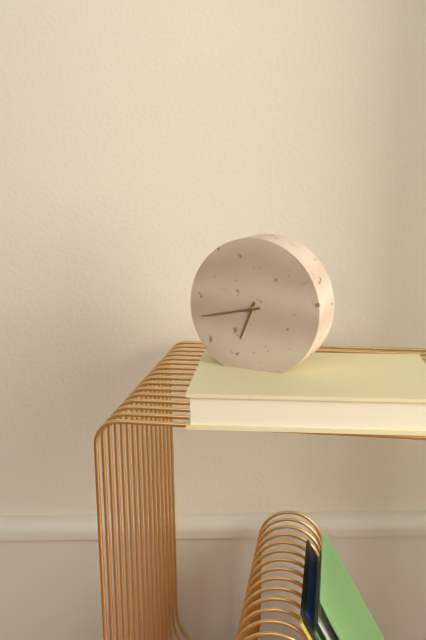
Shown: 6:43
